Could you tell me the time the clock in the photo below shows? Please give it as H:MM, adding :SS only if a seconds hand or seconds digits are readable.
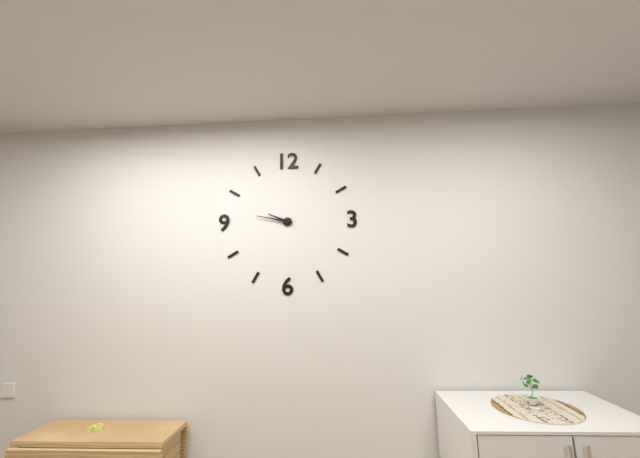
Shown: 9:47
